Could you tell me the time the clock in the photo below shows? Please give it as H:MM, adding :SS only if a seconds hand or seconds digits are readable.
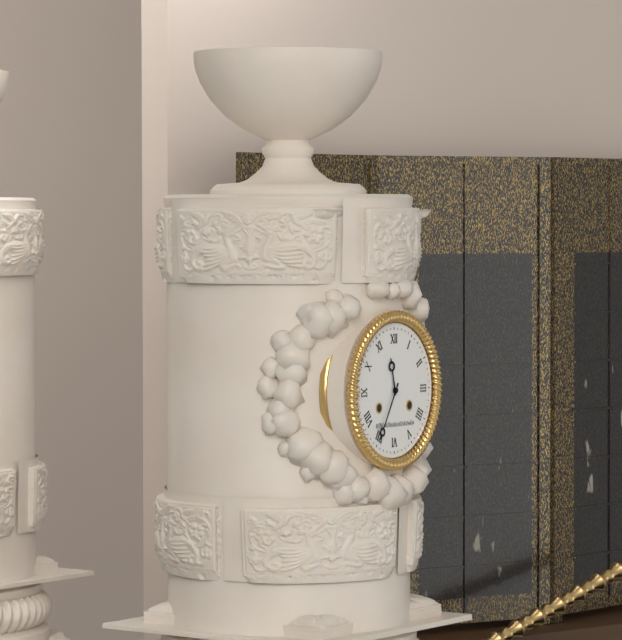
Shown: 11:35
